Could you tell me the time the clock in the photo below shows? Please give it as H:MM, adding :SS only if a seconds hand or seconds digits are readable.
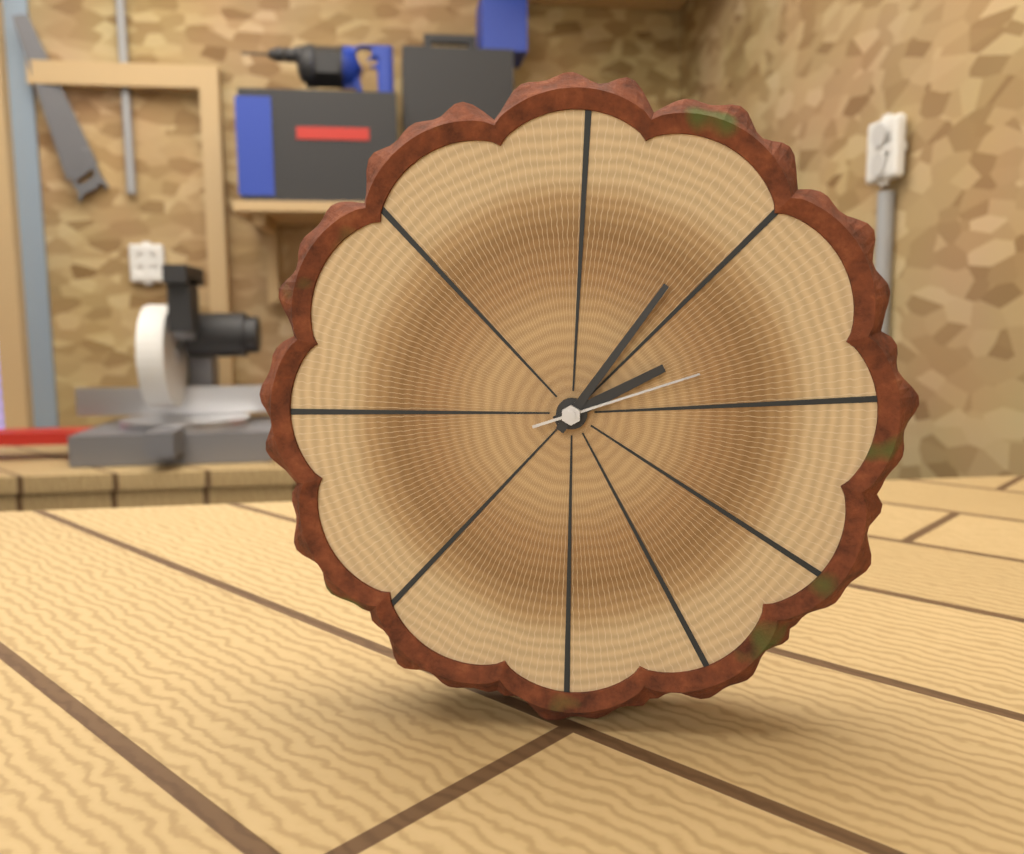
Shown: 2:06:12
